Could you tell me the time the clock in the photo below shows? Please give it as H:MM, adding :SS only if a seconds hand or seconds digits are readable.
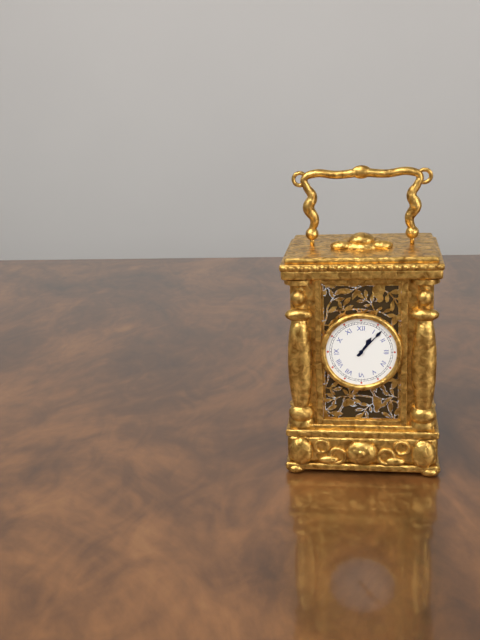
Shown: 1:07
